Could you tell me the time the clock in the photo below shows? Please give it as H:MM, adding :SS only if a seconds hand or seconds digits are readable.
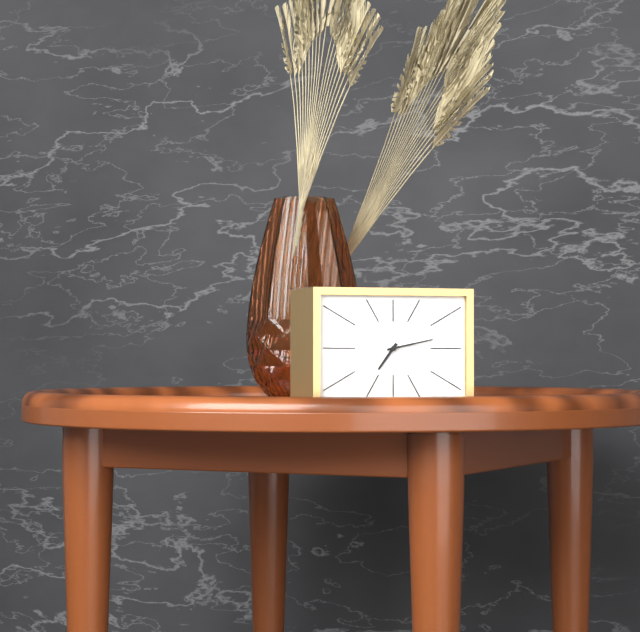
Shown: 7:13
